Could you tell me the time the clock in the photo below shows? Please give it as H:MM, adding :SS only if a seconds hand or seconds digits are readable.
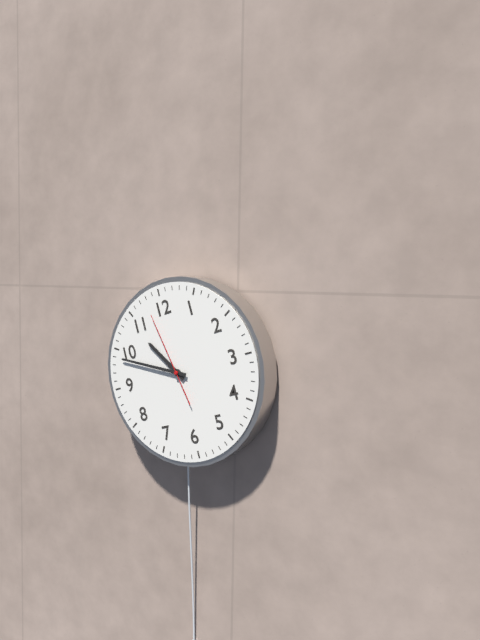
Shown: 10:49:58
